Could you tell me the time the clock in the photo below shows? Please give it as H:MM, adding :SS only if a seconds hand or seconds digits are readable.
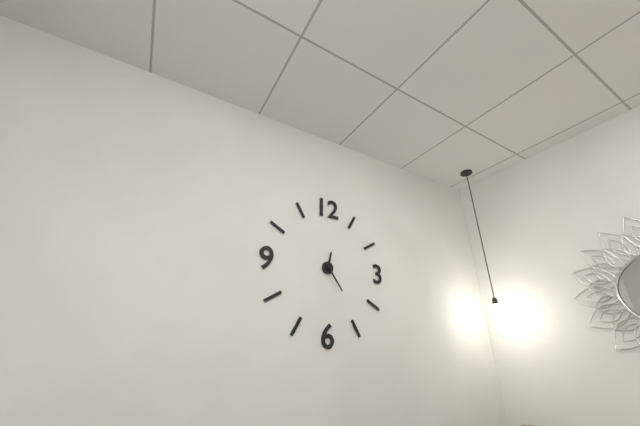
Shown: 12:24
